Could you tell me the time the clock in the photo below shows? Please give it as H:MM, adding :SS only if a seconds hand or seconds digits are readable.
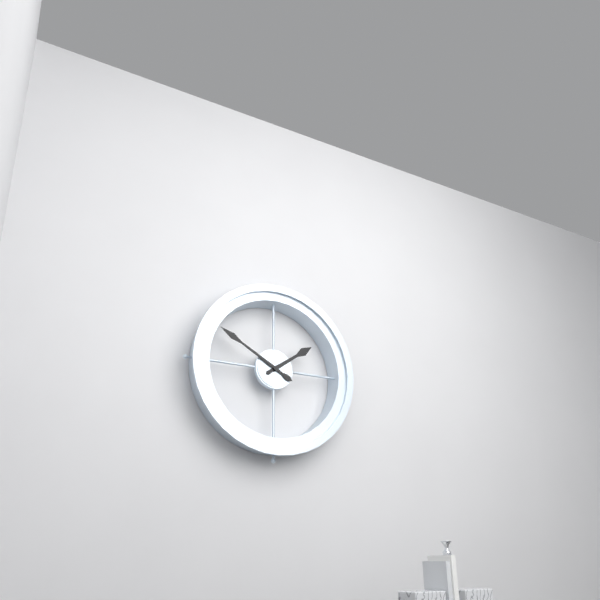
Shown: 1:50
